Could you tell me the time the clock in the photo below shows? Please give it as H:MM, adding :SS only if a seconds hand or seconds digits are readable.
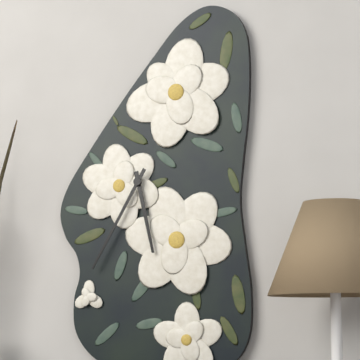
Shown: 5:35
